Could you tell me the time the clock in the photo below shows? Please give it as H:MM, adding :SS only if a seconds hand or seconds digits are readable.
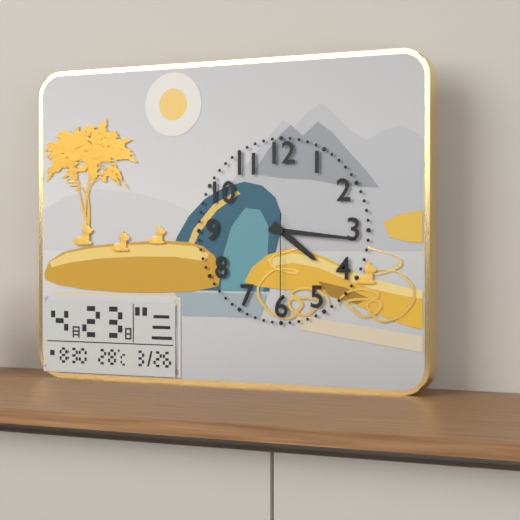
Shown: 4:16:30
